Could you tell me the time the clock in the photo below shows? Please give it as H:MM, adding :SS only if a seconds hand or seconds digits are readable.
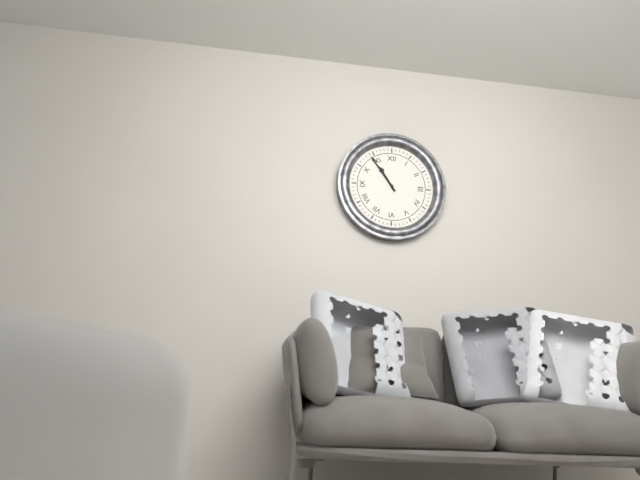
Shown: 10:54
